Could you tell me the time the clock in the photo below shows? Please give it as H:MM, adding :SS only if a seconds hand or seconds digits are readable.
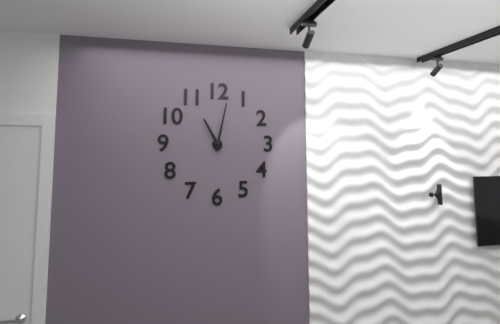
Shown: 11:02
